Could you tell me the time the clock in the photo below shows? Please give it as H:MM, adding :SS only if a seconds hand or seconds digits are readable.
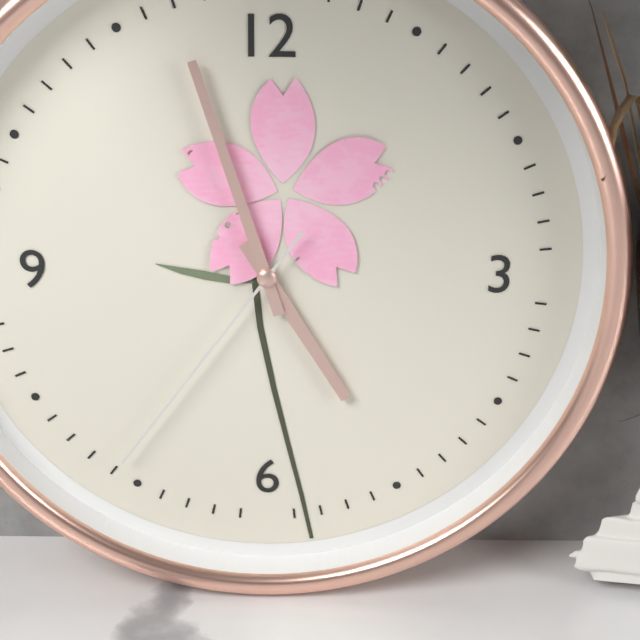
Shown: 4:57:36
